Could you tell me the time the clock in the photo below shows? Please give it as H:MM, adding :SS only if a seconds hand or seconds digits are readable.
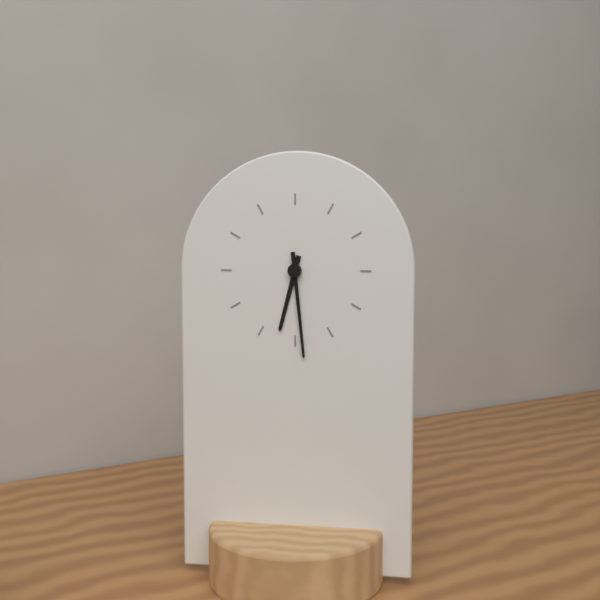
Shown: 6:29
